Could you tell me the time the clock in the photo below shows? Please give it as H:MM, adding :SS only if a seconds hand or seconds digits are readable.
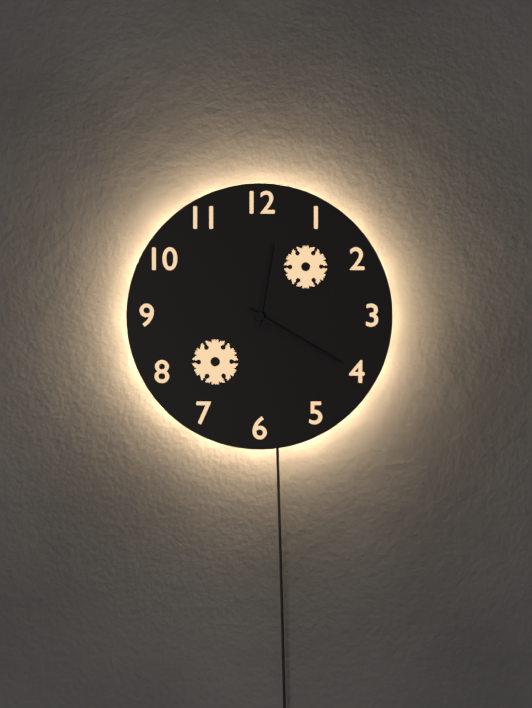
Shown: 12:20
